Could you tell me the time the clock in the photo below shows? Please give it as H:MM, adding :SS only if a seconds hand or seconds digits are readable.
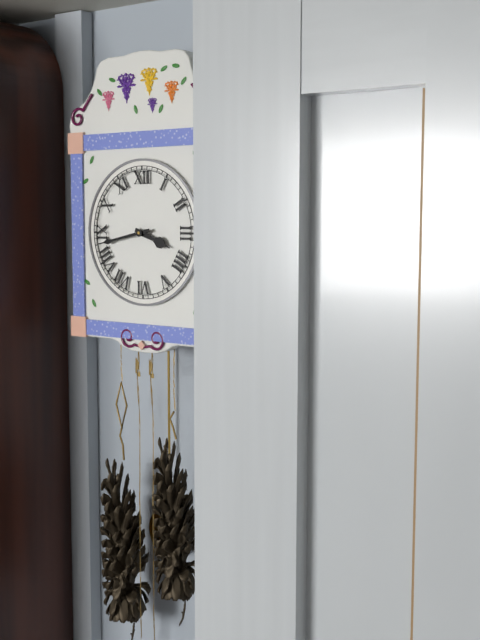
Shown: 3:43
